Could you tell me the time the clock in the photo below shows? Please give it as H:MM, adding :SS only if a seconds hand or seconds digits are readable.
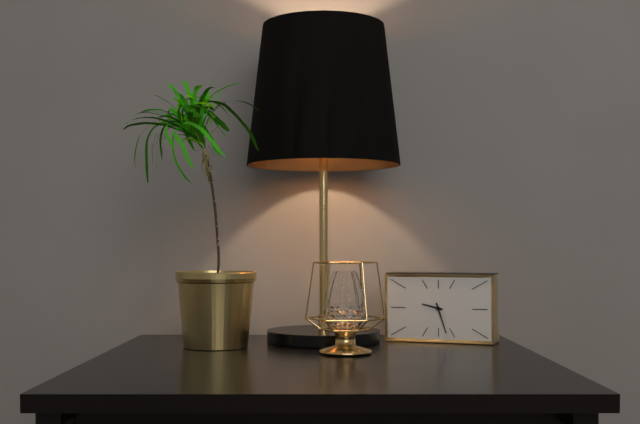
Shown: 9:27
